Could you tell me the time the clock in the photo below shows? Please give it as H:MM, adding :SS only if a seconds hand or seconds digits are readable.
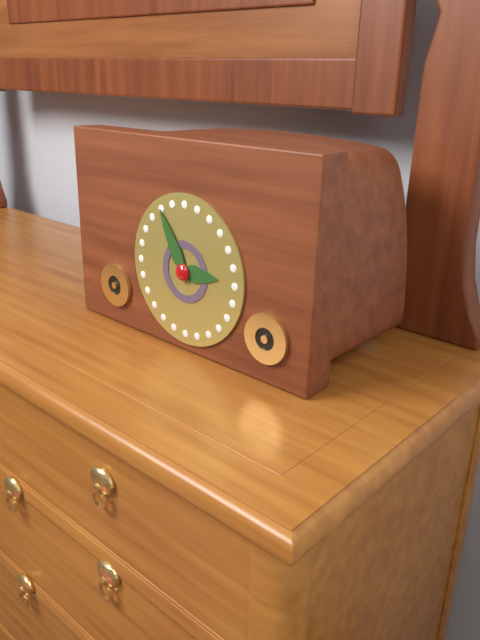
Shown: 2:55
